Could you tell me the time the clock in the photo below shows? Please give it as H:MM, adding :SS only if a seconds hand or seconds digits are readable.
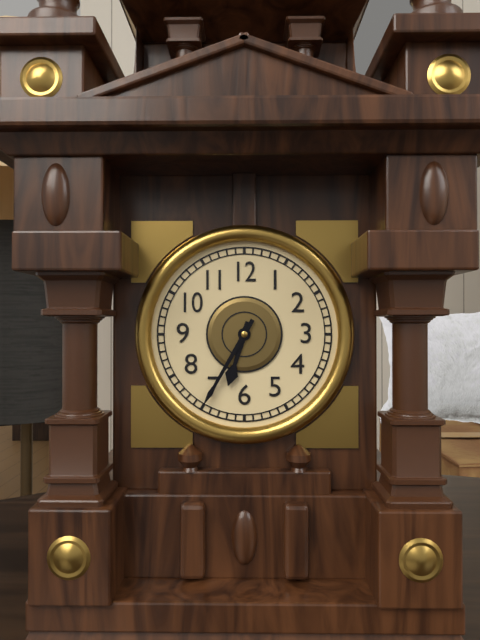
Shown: 6:35
